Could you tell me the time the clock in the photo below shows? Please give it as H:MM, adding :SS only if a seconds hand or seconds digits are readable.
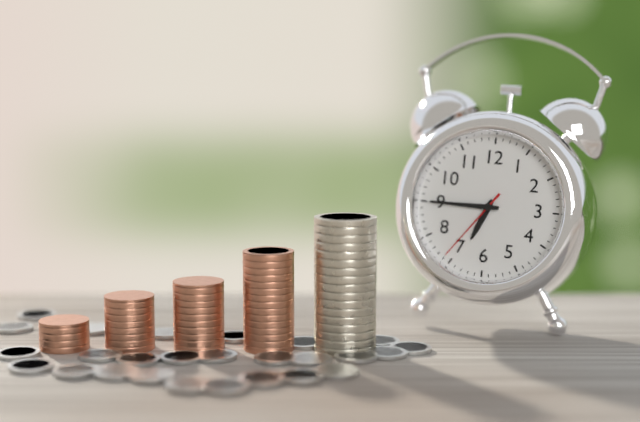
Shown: 6:45:36
